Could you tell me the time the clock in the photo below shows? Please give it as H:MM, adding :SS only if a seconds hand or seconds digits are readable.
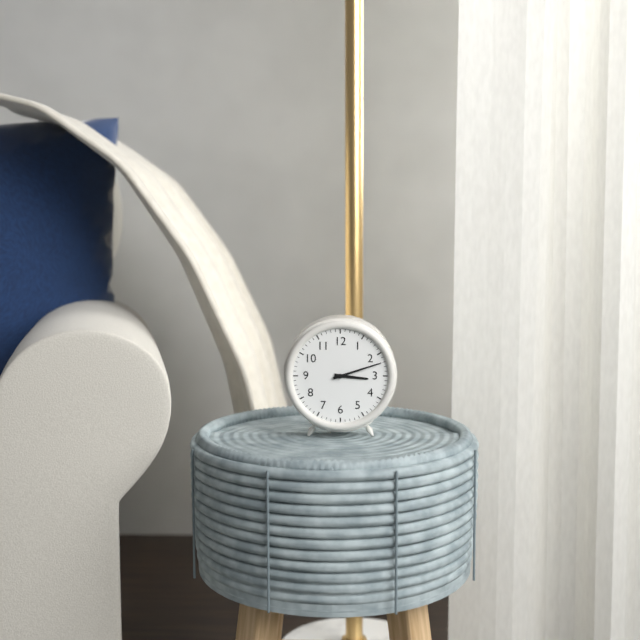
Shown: 3:12
